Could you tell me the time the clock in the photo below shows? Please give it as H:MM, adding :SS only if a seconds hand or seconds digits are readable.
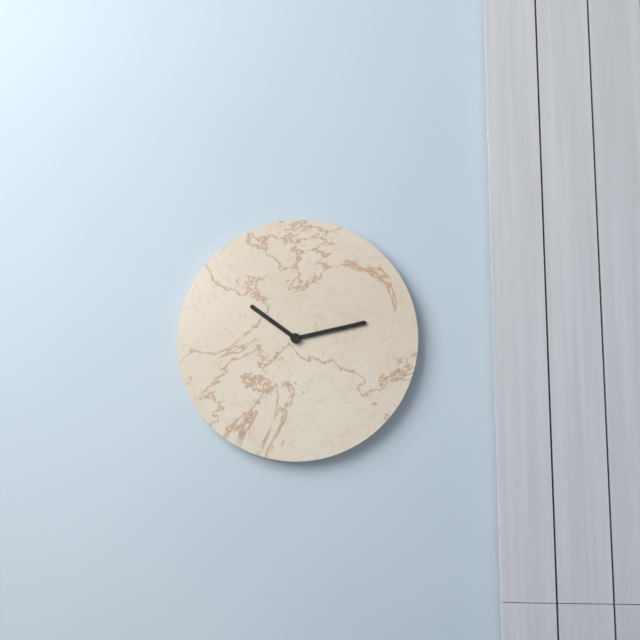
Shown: 10:13
